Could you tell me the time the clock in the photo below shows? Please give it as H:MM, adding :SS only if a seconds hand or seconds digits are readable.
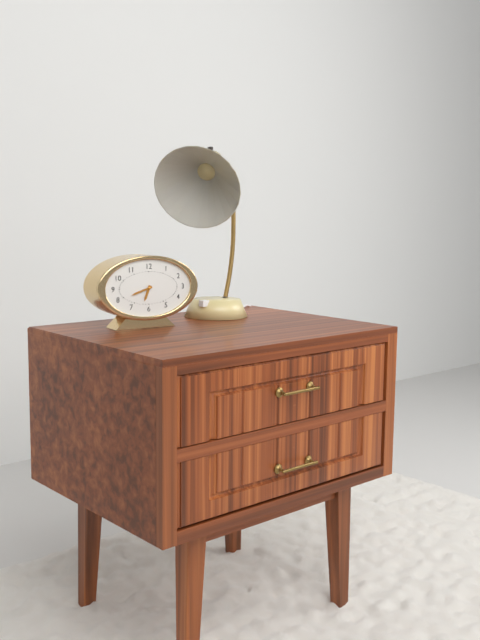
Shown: 6:42
